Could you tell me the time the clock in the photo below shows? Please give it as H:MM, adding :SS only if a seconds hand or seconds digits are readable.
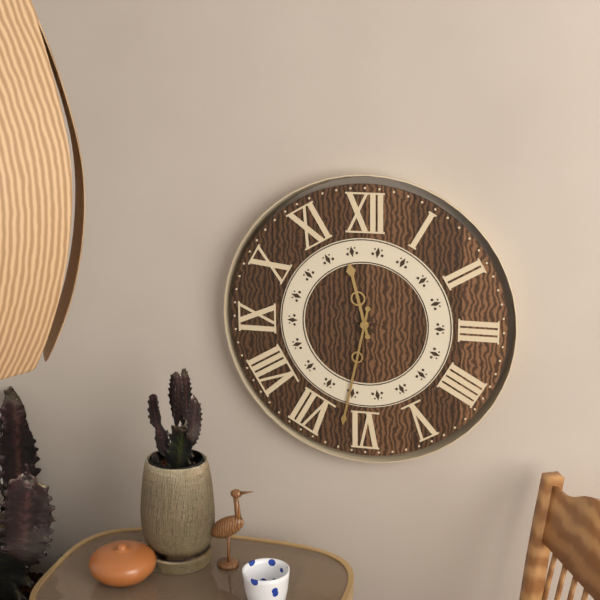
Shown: 11:32
